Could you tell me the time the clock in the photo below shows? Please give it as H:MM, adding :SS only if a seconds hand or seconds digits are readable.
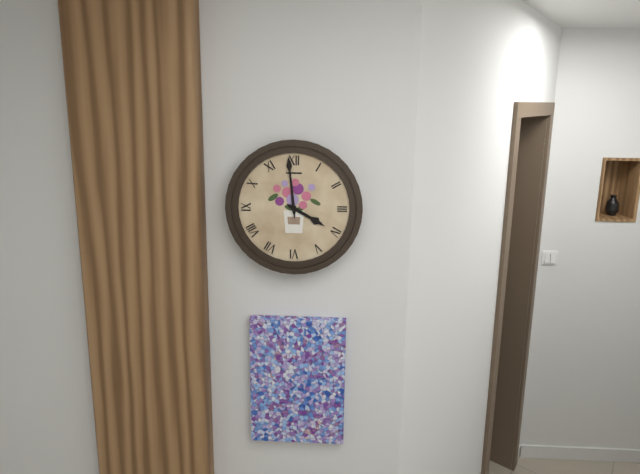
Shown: 3:59
